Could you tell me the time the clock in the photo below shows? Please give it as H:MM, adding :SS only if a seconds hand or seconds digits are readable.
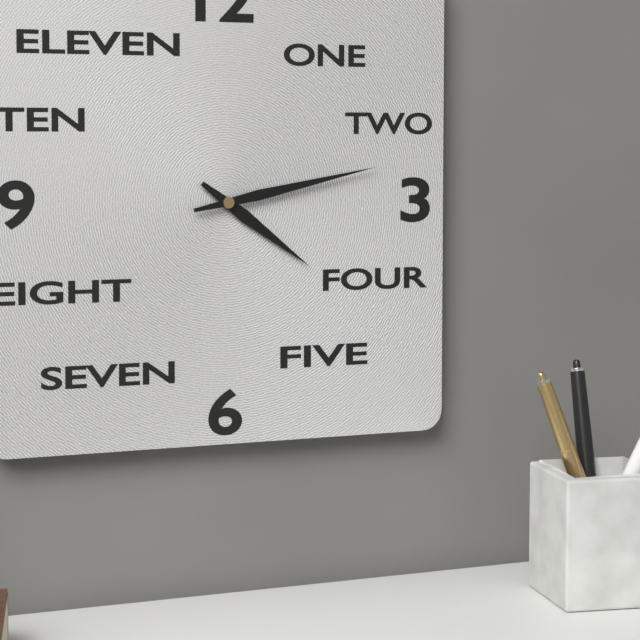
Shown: 4:13
